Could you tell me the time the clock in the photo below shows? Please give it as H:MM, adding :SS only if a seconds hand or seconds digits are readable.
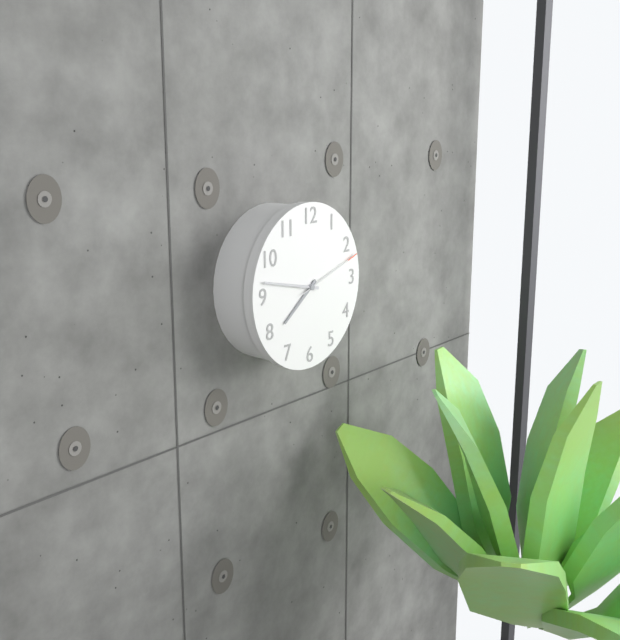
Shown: 7:47:12
